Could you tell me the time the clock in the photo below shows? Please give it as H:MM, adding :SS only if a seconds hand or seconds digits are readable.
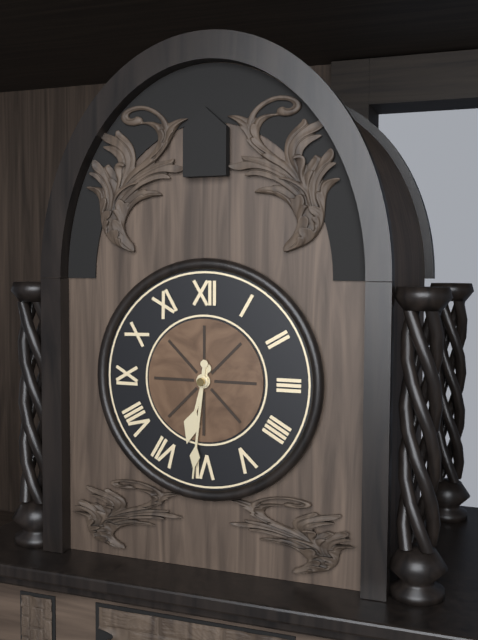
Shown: 6:31
